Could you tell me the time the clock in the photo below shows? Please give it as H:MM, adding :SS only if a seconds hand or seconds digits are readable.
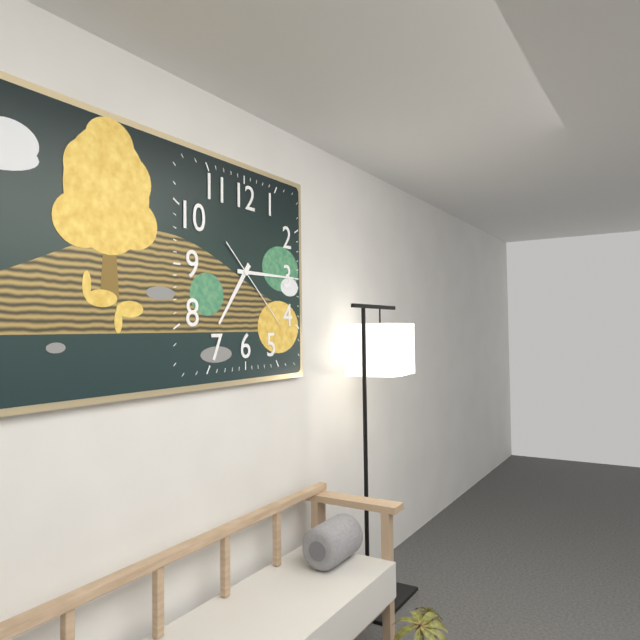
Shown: 7:15:22
